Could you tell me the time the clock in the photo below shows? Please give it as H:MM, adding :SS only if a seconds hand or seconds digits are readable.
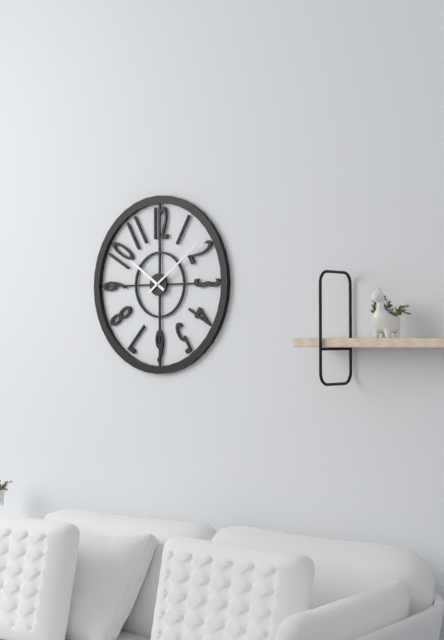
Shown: 10:09
